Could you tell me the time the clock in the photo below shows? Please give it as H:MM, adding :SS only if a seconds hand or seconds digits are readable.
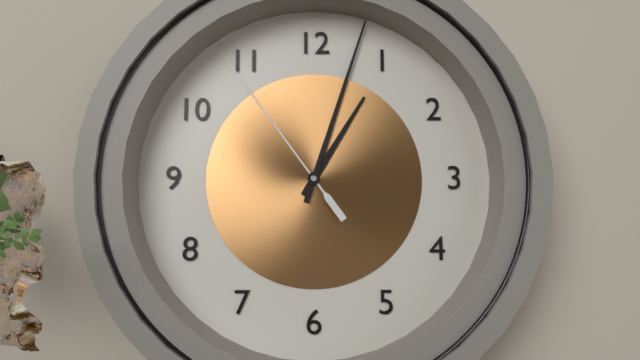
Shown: 1:03:54
